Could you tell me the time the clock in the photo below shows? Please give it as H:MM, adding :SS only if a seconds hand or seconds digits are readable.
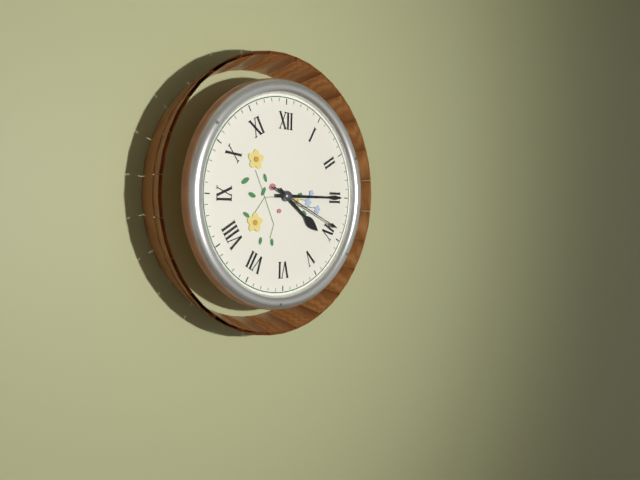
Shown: 4:15:19
